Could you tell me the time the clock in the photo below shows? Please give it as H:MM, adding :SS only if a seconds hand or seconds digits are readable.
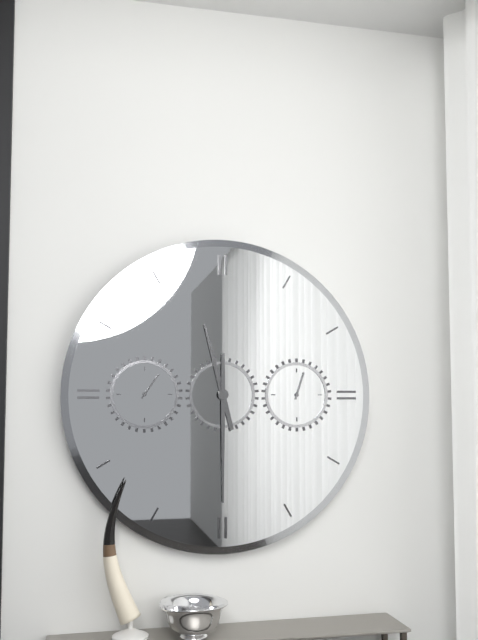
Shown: 11:30
